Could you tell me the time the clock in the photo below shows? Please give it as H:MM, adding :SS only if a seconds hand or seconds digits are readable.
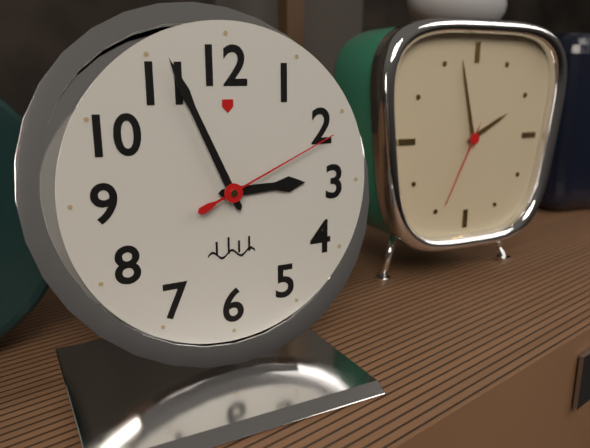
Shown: 2:56:11
